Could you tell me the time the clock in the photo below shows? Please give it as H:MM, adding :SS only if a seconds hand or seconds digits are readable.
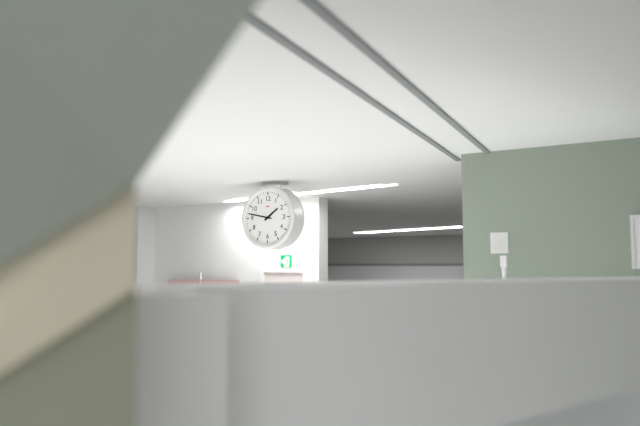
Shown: 1:47
